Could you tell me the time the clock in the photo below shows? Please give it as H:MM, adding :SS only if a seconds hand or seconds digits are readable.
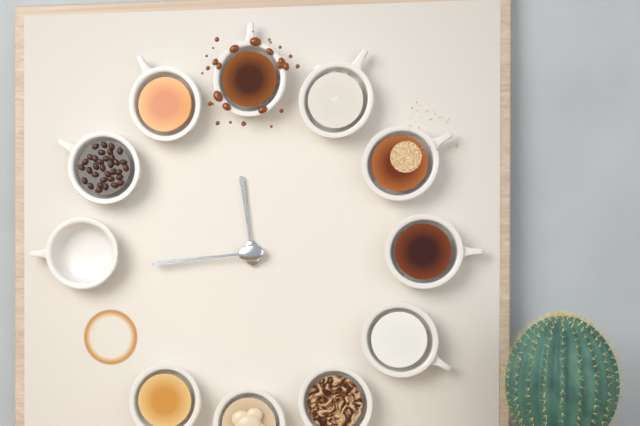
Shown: 11:44
